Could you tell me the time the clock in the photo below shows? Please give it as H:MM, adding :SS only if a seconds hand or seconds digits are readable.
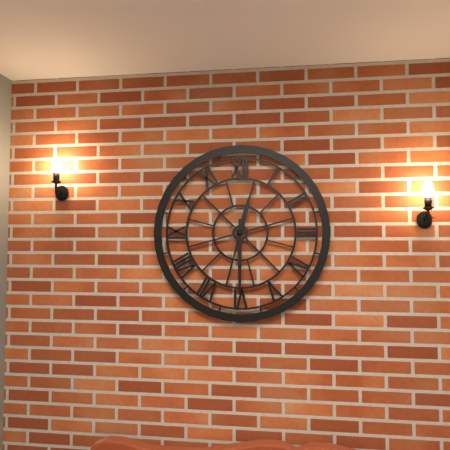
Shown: 12:30
